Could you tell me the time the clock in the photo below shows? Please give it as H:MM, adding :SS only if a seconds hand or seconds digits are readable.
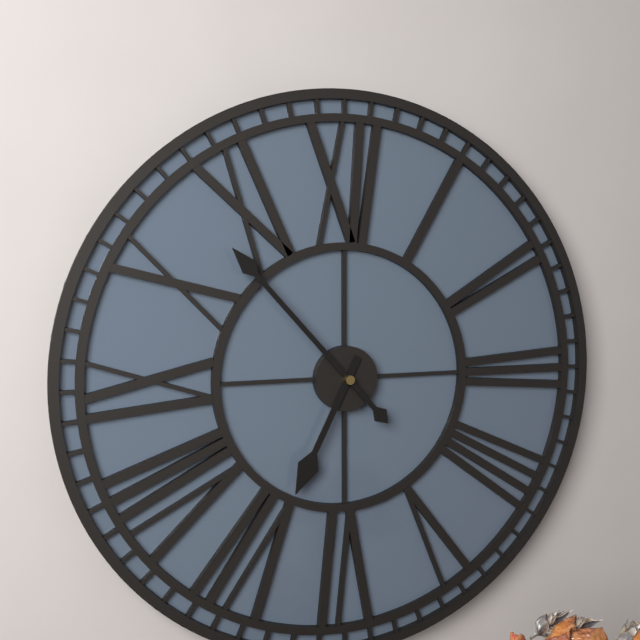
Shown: 6:53
